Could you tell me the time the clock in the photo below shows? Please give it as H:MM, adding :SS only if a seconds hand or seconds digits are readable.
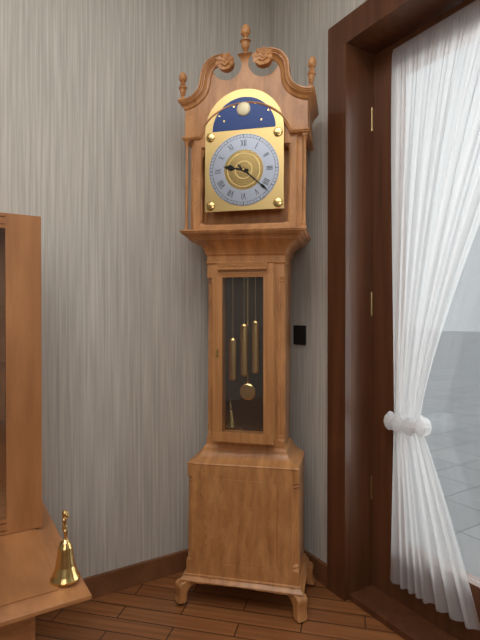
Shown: 9:22
